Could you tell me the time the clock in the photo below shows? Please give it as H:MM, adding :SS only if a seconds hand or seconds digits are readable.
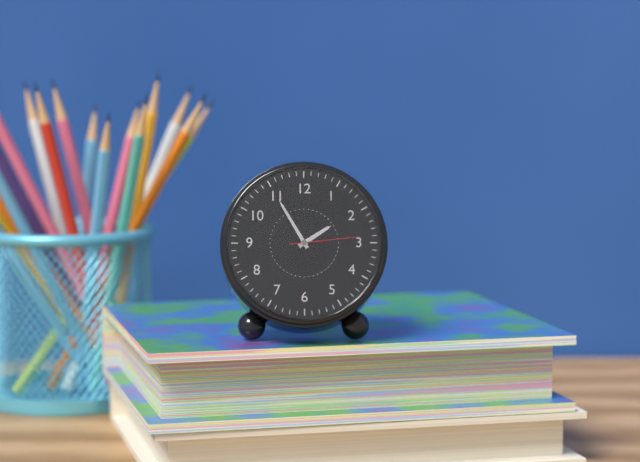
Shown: 1:55:14
